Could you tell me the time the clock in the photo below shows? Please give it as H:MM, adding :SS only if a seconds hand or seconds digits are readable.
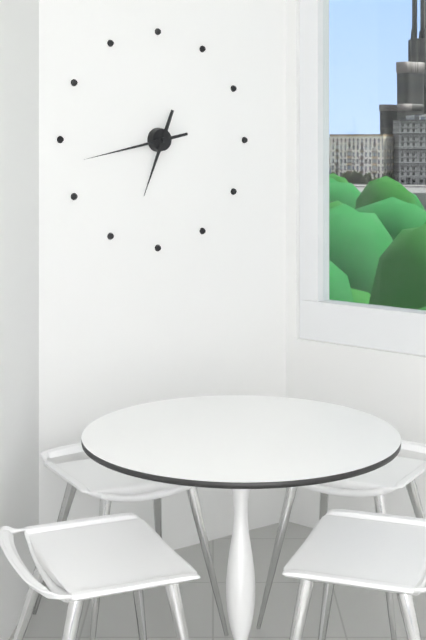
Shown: 6:43
